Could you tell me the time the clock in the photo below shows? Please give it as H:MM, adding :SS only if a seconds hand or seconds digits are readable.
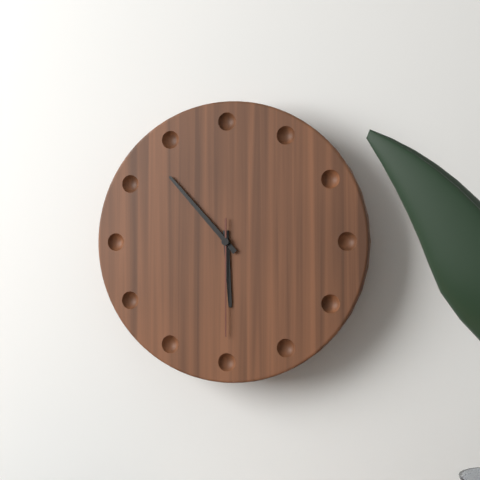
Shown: 5:53:30
